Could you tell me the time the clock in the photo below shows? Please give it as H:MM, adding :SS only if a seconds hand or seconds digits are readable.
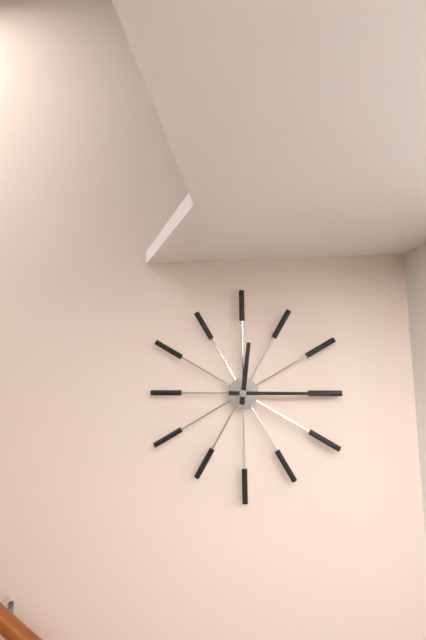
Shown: 12:15
